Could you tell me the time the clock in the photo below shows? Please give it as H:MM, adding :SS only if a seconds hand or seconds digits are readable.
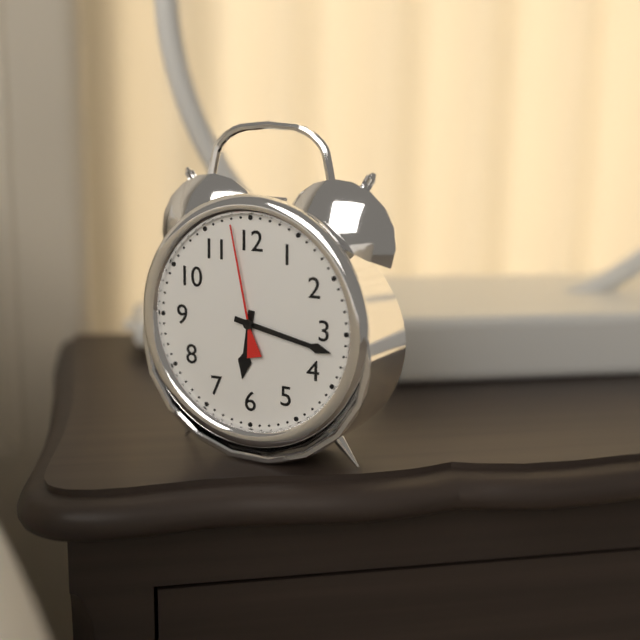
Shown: 6:17:58
